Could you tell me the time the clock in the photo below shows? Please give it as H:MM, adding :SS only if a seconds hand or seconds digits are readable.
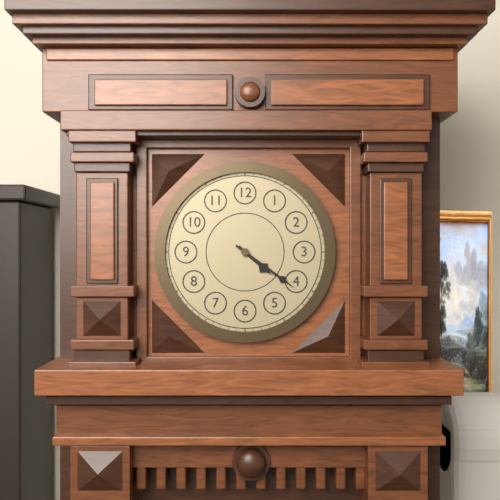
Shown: 4:21
